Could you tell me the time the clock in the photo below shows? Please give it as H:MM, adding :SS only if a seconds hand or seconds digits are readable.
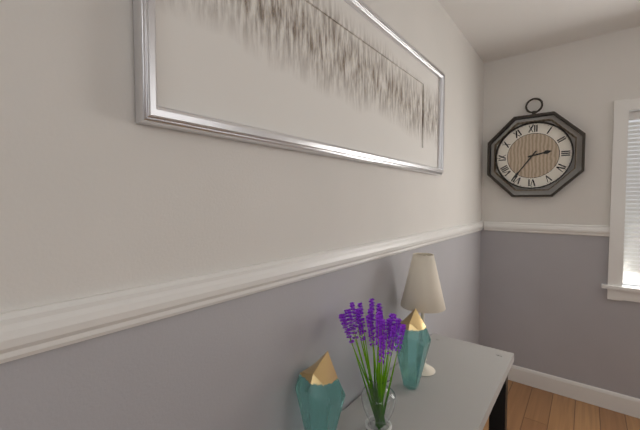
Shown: 2:36
